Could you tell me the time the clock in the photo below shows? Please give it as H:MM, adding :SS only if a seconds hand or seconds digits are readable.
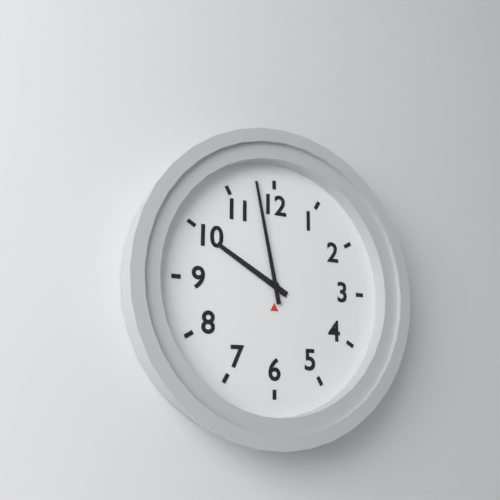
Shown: 9:58
